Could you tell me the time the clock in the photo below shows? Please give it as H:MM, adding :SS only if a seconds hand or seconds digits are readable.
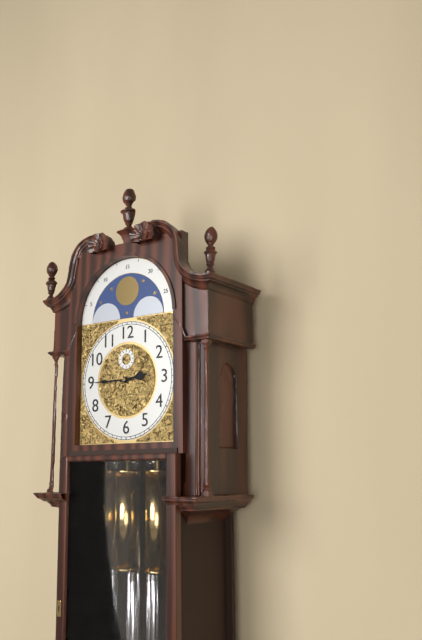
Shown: 2:45
